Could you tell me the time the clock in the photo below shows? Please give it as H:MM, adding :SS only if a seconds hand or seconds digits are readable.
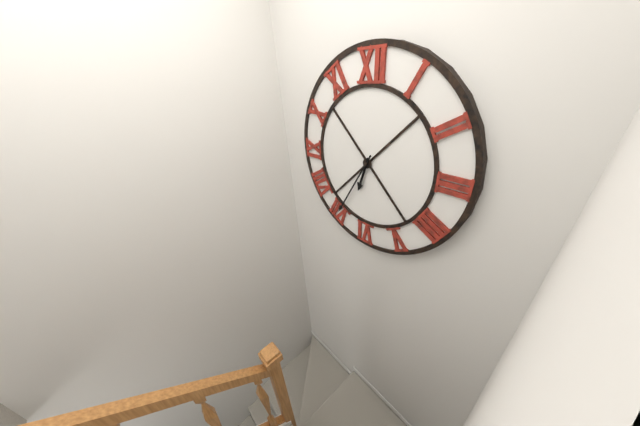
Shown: 6:35
